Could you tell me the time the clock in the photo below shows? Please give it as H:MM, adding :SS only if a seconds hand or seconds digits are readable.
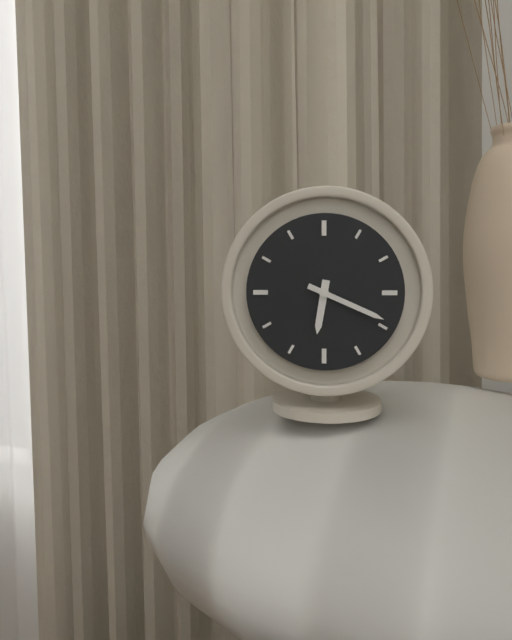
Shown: 6:19
